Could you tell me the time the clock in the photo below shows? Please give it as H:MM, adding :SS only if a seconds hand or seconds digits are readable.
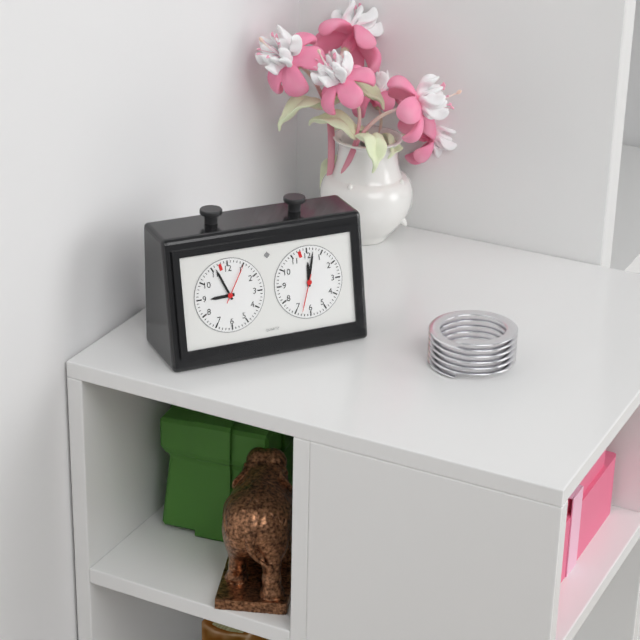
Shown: 8:56
